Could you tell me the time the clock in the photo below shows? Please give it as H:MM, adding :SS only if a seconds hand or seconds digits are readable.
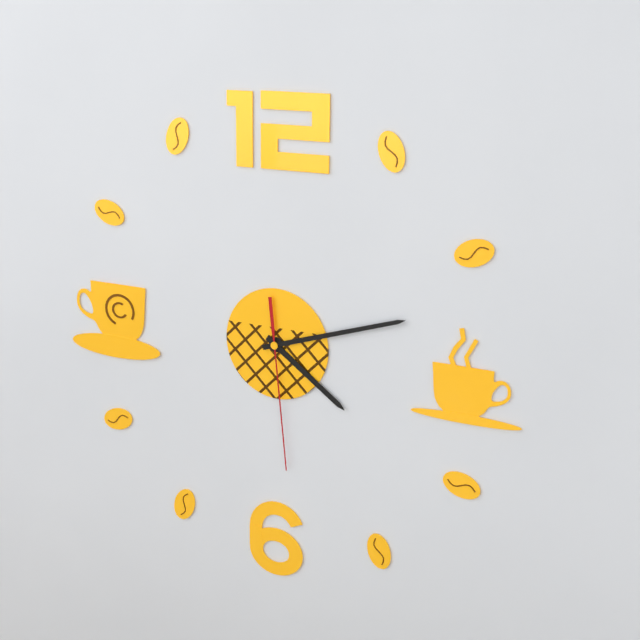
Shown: 4:12:29
